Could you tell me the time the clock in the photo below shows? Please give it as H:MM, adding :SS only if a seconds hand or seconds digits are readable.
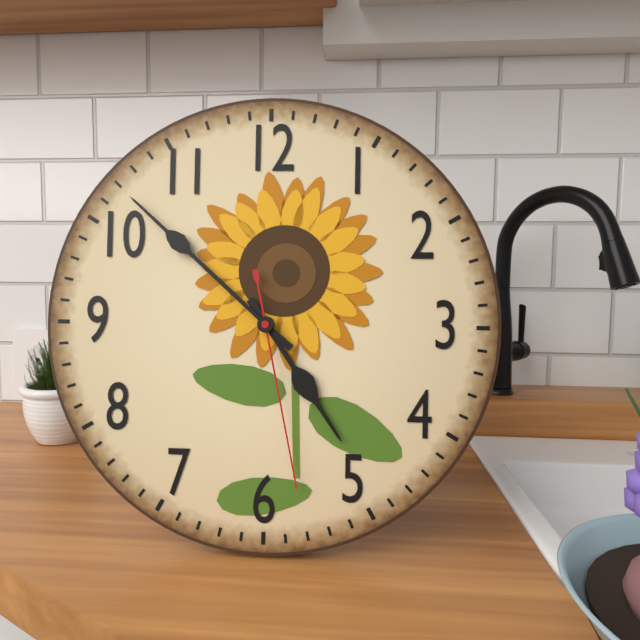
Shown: 4:52:28
